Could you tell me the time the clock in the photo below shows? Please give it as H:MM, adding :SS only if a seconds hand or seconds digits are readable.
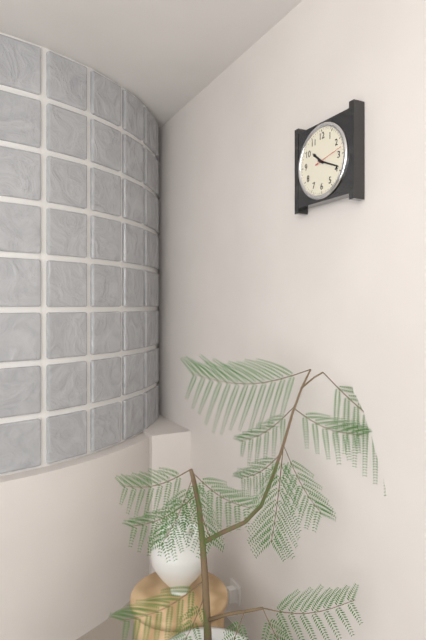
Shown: 10:19
